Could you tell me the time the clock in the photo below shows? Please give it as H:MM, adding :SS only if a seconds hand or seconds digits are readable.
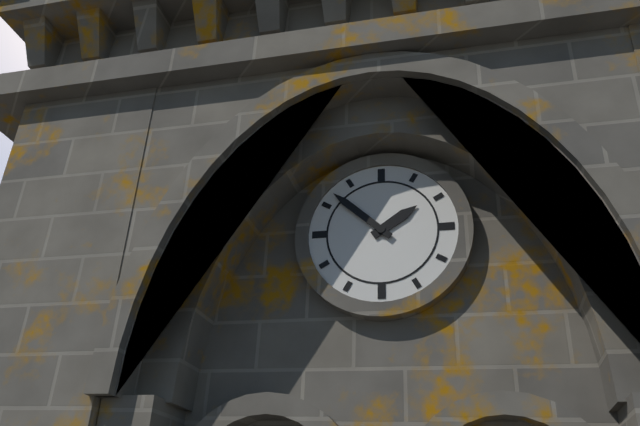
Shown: 1:52
